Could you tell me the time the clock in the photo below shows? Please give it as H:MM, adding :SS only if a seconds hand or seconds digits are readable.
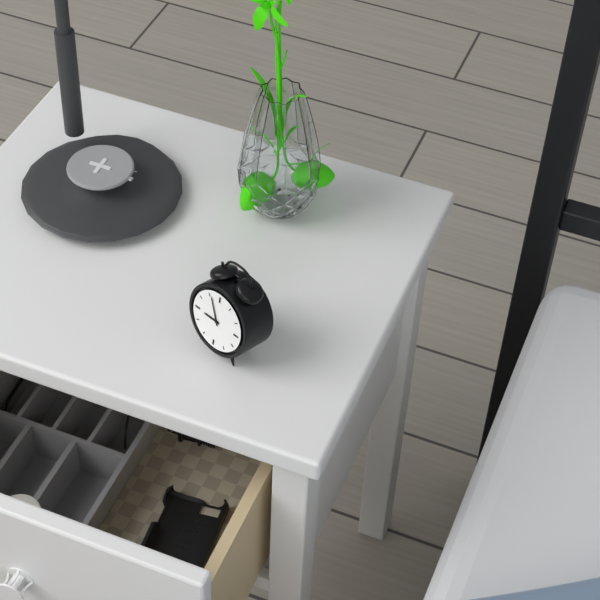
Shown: 8:56
